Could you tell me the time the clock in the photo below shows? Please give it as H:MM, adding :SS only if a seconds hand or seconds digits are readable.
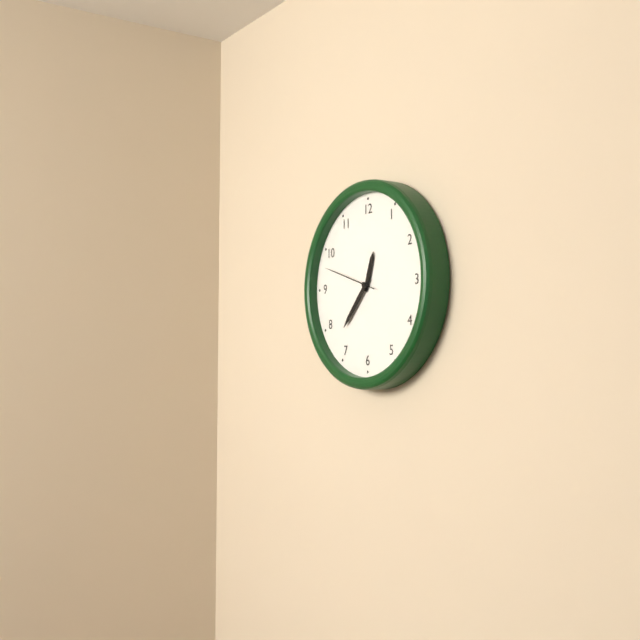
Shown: 12:37:48
